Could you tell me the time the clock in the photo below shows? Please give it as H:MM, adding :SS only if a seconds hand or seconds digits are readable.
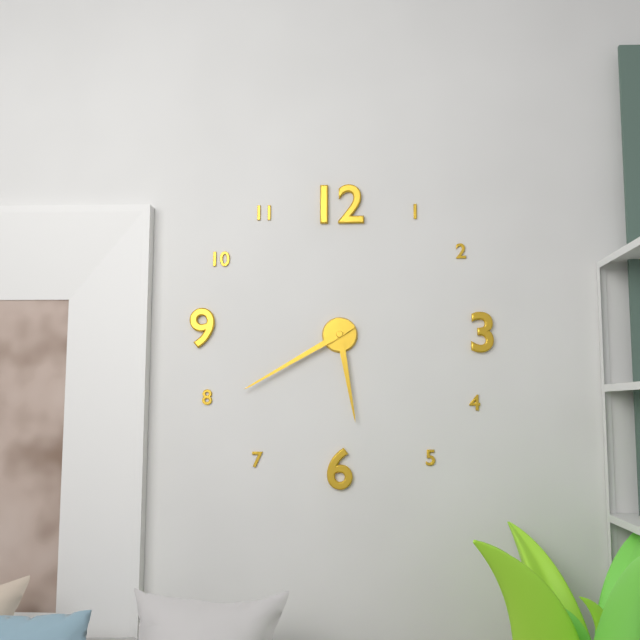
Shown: 5:40
